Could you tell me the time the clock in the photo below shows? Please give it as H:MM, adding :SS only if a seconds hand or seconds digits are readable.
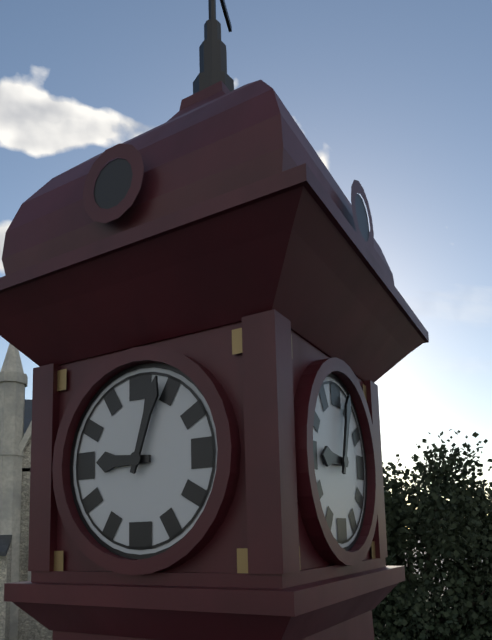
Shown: 9:03
